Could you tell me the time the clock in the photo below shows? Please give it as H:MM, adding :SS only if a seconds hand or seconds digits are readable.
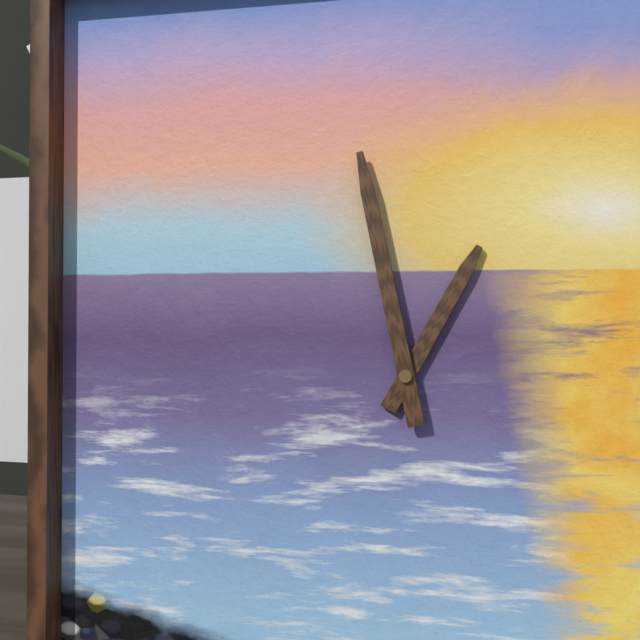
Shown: 12:58
